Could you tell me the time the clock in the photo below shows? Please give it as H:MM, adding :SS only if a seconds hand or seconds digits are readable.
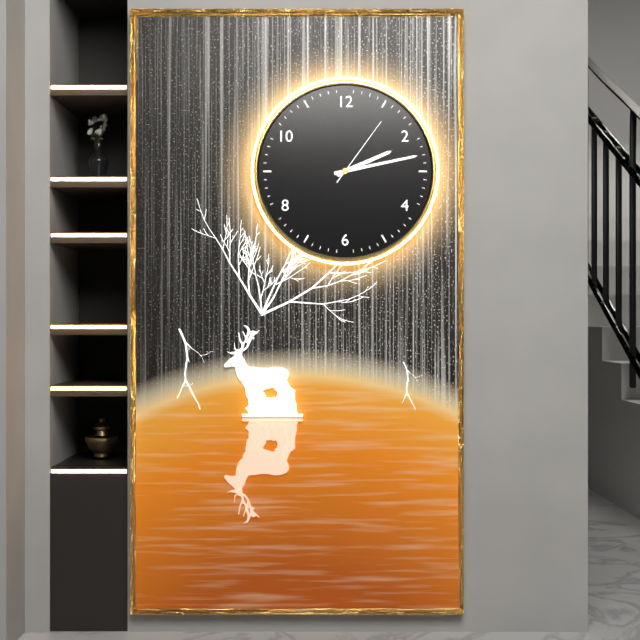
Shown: 2:13:06
